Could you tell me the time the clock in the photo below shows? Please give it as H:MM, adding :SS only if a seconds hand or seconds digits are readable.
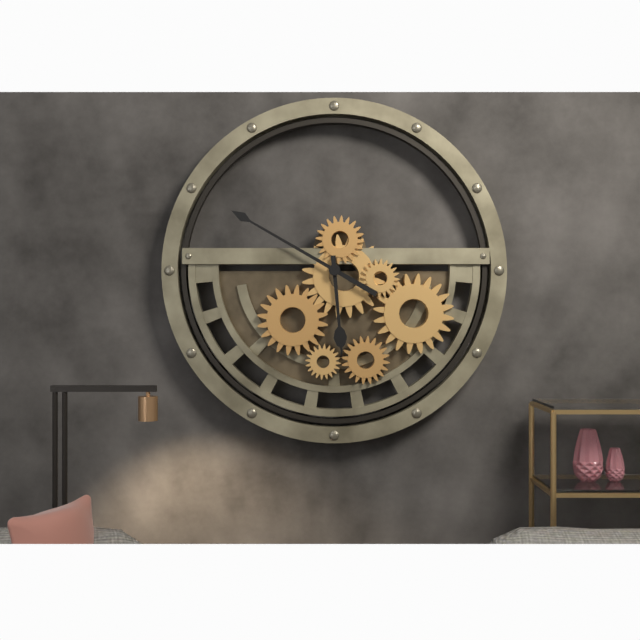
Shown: 5:50
